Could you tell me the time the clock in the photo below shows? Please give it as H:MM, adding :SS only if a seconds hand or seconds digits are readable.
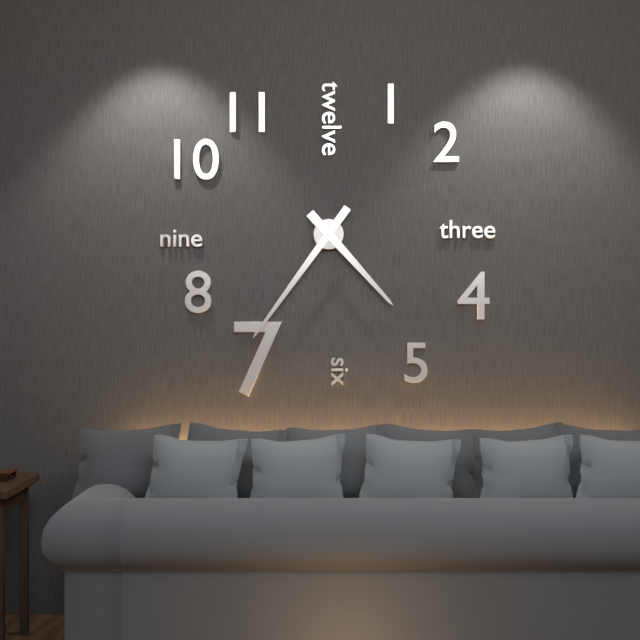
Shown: 4:36
